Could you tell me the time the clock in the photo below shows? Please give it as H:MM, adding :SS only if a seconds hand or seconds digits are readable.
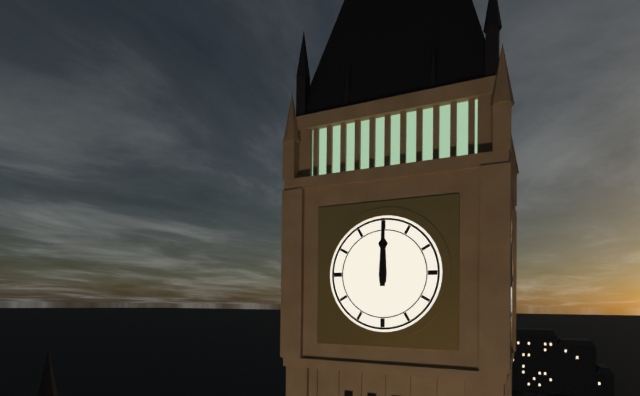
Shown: 12:00
